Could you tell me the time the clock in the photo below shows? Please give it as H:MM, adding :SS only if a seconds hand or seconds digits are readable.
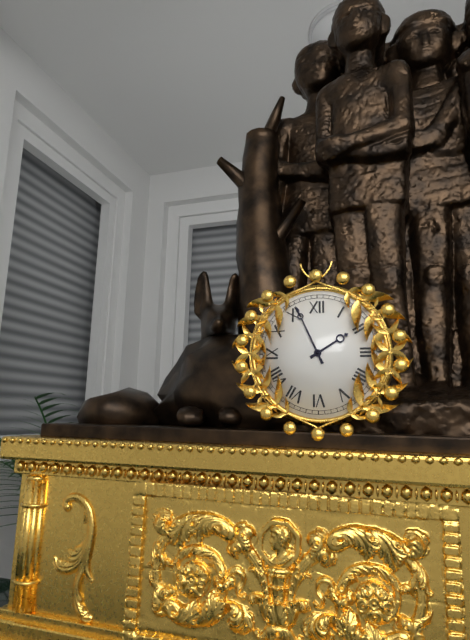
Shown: 1:56
